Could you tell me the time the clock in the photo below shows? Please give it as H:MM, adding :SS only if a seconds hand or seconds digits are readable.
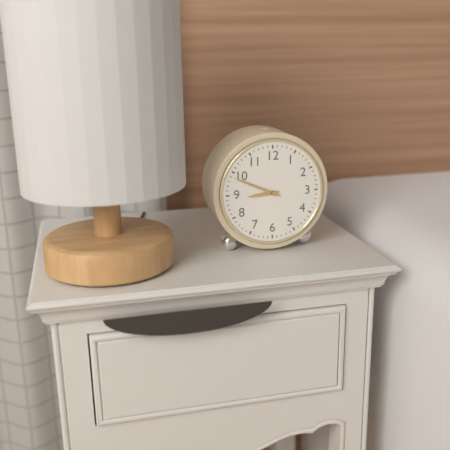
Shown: 8:49
